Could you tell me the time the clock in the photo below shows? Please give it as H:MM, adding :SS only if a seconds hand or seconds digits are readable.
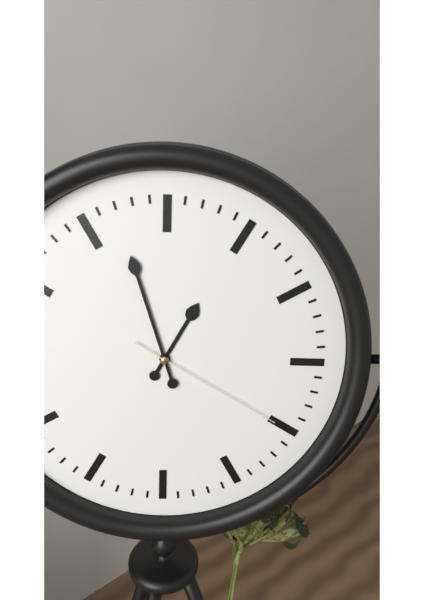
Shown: 12:57:20
